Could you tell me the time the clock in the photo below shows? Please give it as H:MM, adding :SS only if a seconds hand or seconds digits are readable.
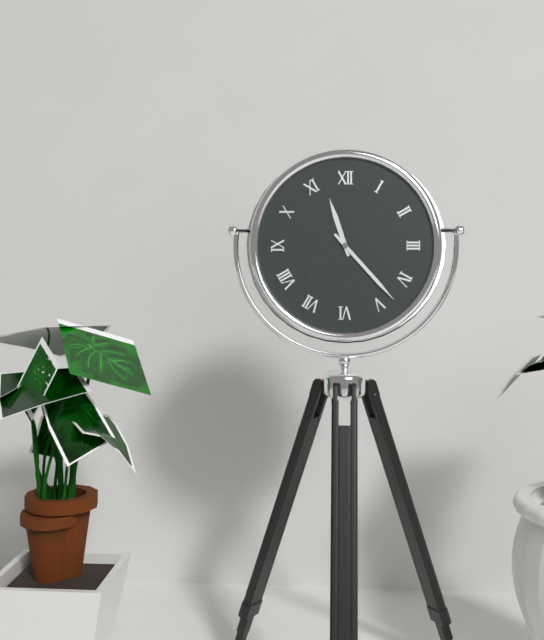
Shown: 11:23
